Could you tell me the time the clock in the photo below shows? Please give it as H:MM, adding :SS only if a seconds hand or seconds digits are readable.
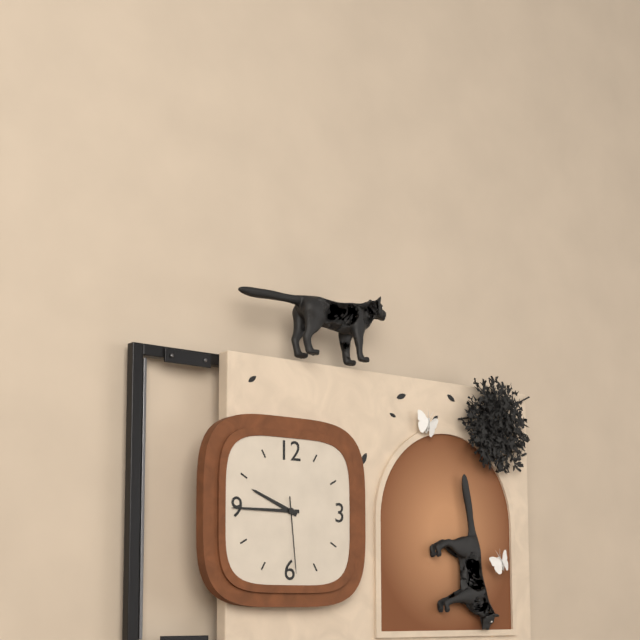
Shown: 9:45:29
